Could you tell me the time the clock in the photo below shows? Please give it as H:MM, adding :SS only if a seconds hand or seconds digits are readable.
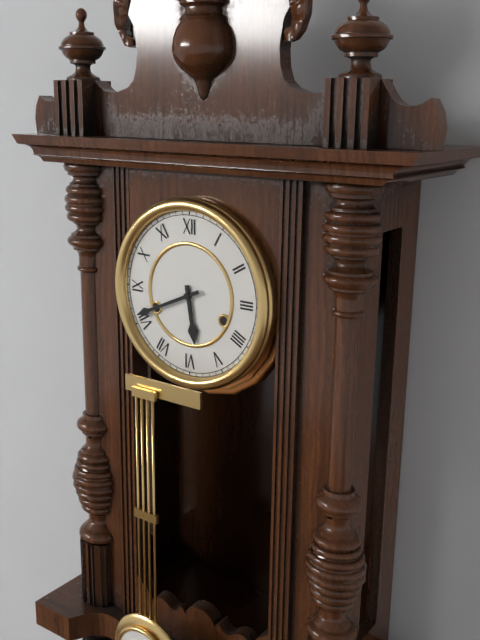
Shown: 5:41
